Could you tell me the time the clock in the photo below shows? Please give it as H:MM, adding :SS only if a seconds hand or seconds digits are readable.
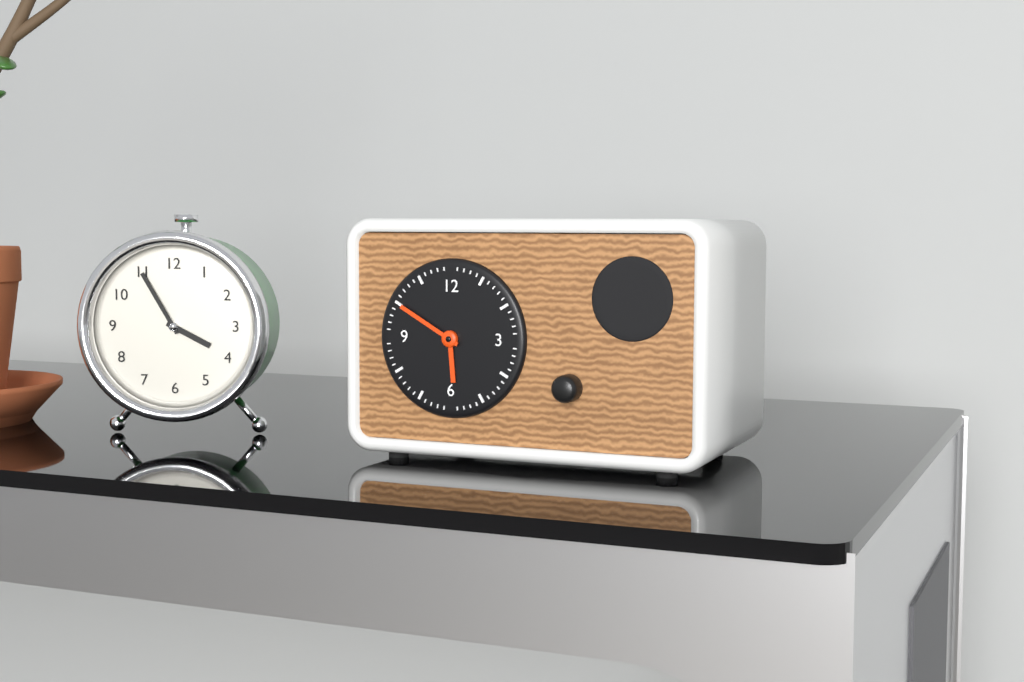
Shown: 5:50
